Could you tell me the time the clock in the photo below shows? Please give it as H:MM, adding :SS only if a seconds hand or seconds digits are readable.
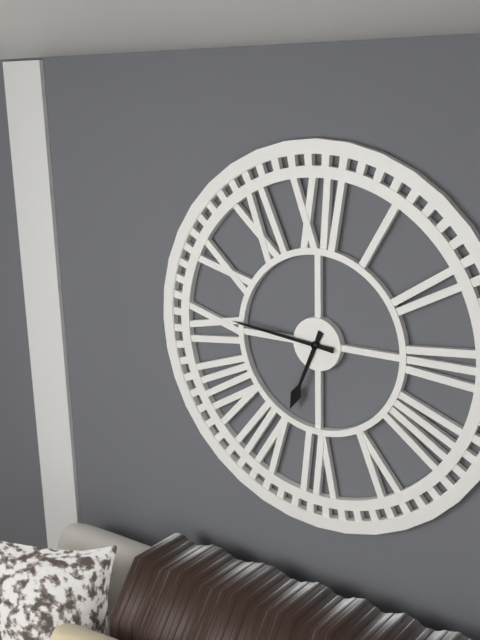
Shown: 6:46
